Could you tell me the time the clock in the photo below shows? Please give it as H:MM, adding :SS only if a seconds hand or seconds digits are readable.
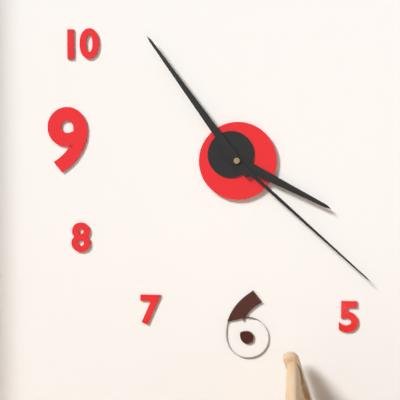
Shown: 3:54:22
